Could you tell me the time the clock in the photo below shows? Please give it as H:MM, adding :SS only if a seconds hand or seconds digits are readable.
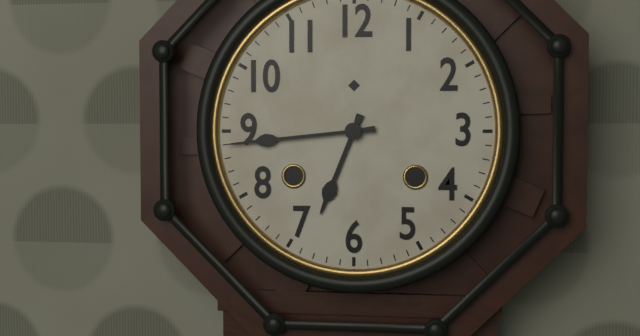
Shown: 6:44
